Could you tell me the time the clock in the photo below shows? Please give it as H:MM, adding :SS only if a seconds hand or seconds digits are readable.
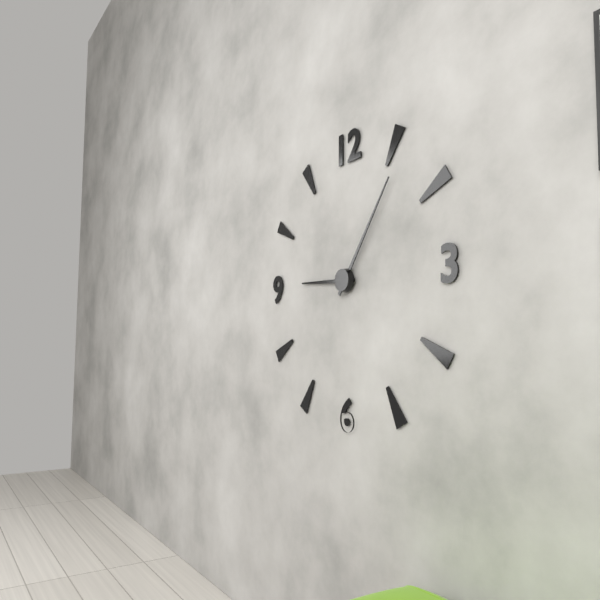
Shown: 9:06
